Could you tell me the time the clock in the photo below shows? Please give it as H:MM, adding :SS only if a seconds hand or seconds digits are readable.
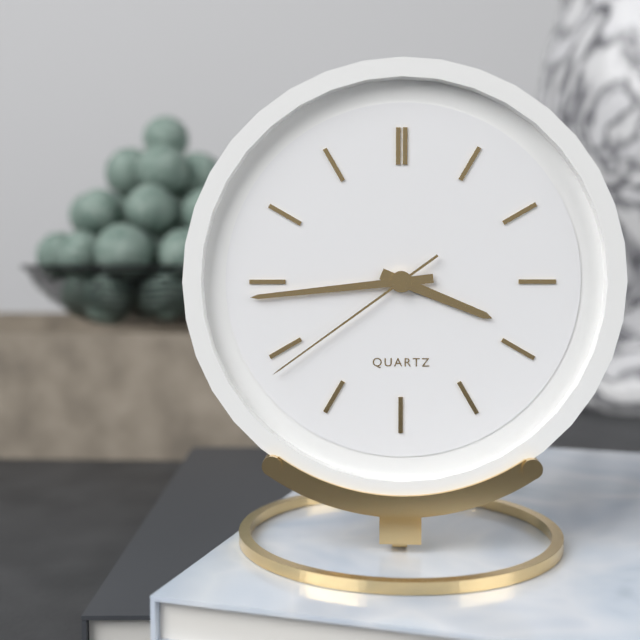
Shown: 3:44:39
